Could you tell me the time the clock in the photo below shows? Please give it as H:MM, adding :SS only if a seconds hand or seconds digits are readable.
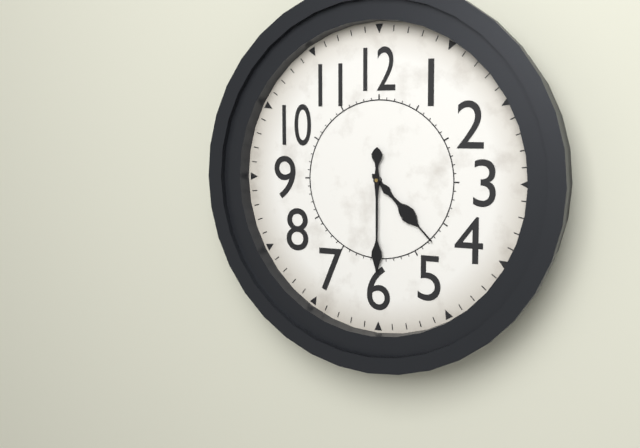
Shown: 4:30
